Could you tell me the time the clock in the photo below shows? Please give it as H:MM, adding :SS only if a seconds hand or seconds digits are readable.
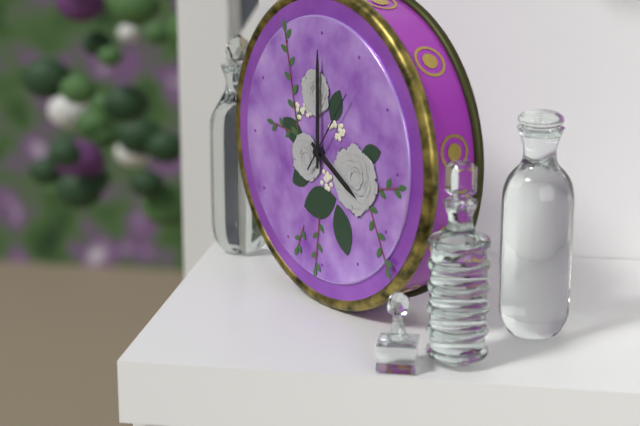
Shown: 4:00:06
